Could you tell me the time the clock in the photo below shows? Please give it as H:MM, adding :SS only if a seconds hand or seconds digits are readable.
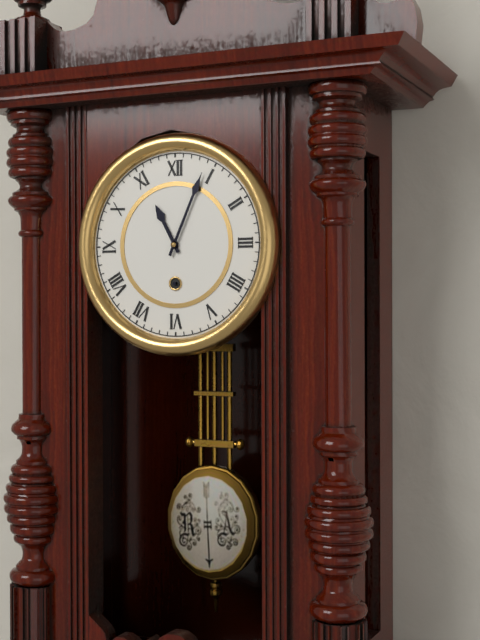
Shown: 11:04
